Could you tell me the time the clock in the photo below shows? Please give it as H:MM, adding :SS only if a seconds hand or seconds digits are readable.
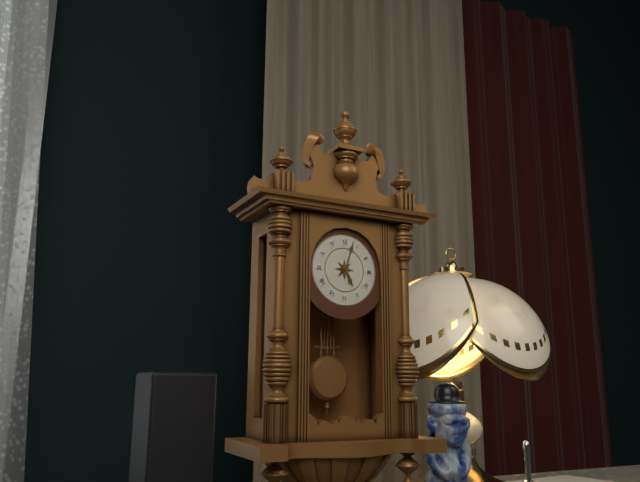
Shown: 5:03
